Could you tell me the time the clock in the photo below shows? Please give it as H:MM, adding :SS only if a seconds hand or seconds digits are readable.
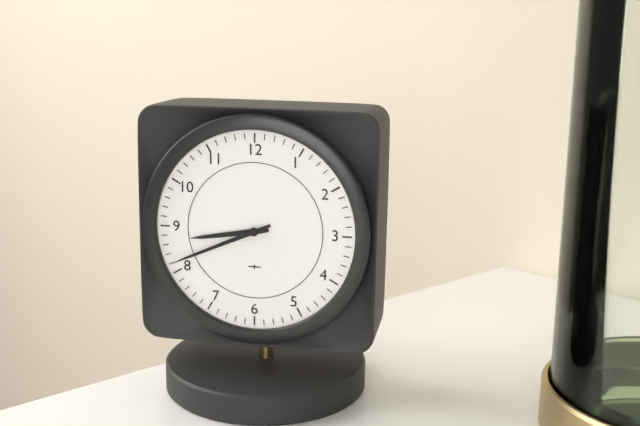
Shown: 8:41
